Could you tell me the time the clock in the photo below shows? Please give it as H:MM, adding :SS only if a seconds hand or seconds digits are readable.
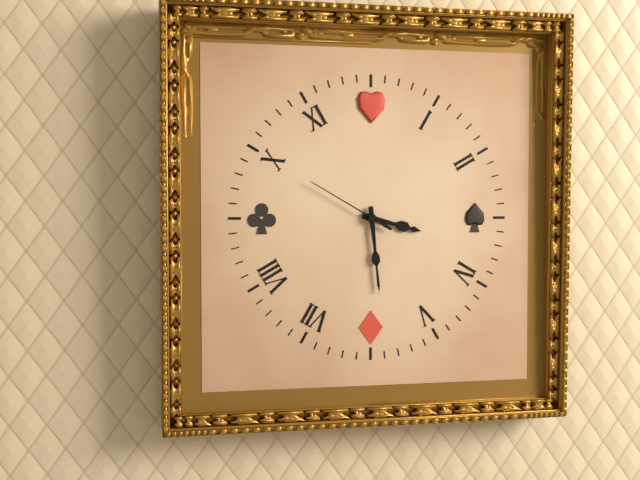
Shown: 3:29:50
